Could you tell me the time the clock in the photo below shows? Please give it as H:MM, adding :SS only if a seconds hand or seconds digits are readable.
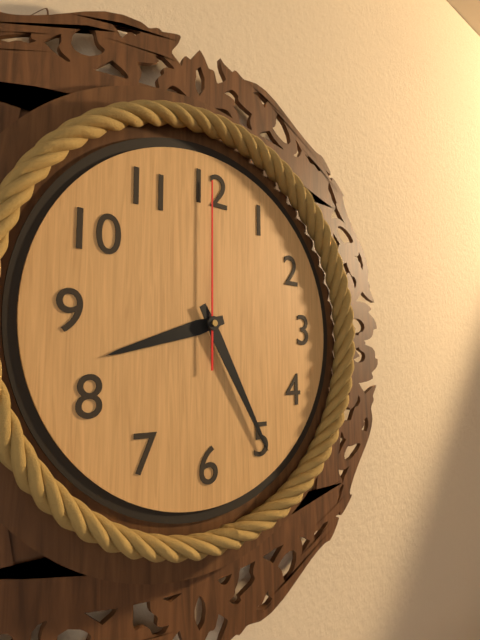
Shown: 8:25:00
